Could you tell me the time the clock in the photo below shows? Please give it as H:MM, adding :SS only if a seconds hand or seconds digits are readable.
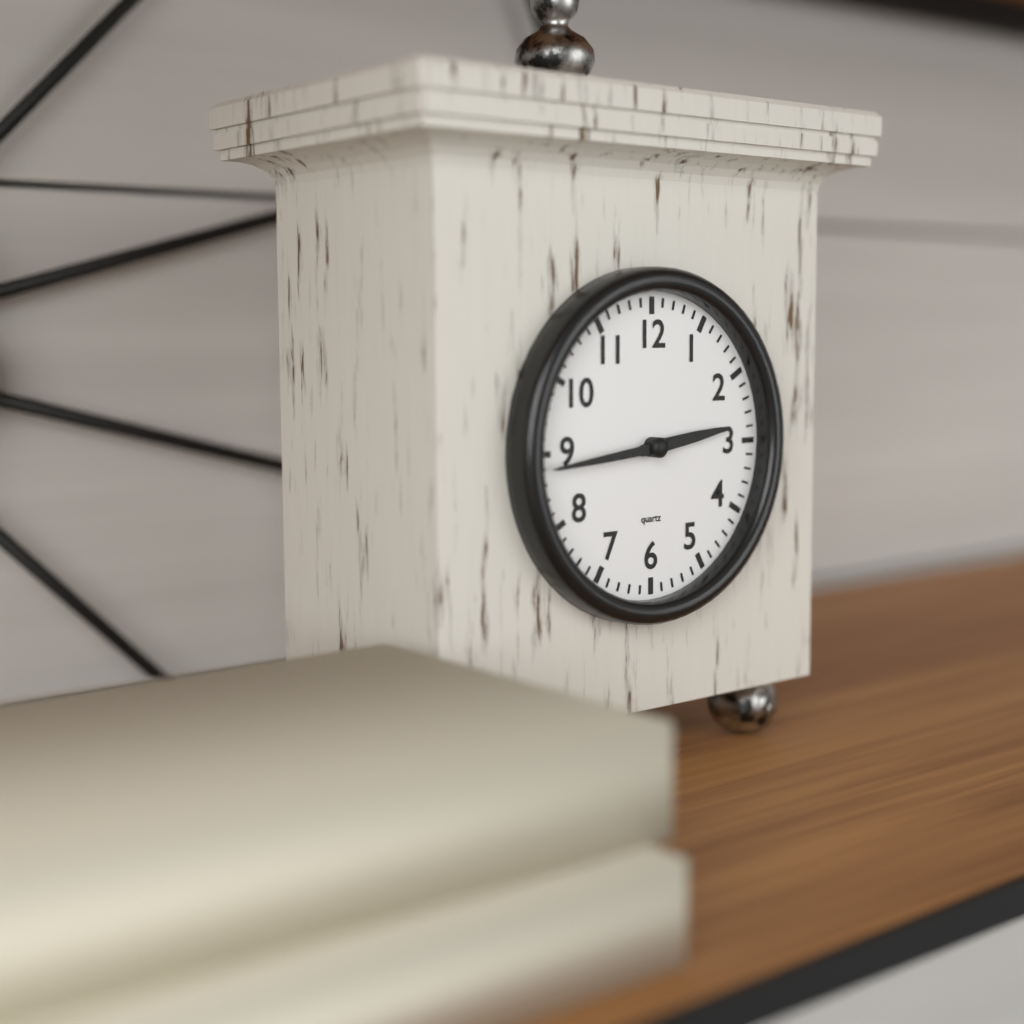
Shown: 2:44
